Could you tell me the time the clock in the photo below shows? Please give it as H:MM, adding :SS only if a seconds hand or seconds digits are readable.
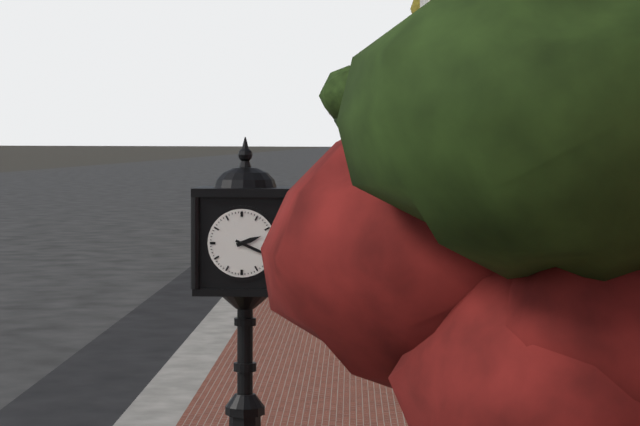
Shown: 2:19
